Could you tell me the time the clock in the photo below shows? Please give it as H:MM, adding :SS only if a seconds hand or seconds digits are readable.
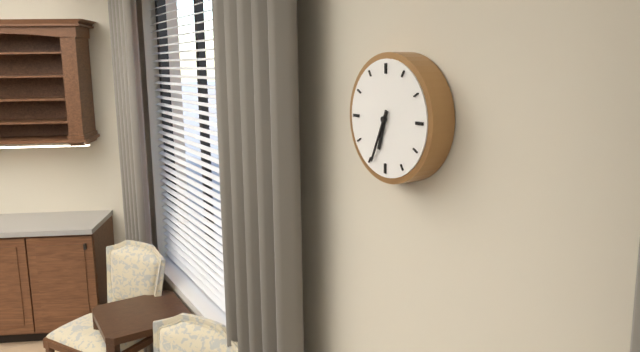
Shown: 6:34
